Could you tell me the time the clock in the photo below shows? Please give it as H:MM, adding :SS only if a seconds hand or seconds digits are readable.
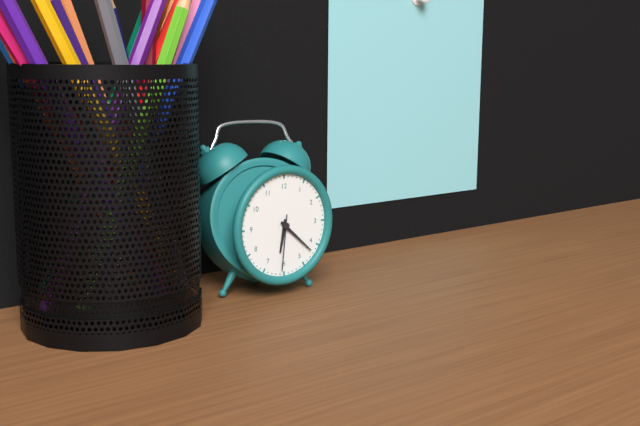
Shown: 6:22:31
